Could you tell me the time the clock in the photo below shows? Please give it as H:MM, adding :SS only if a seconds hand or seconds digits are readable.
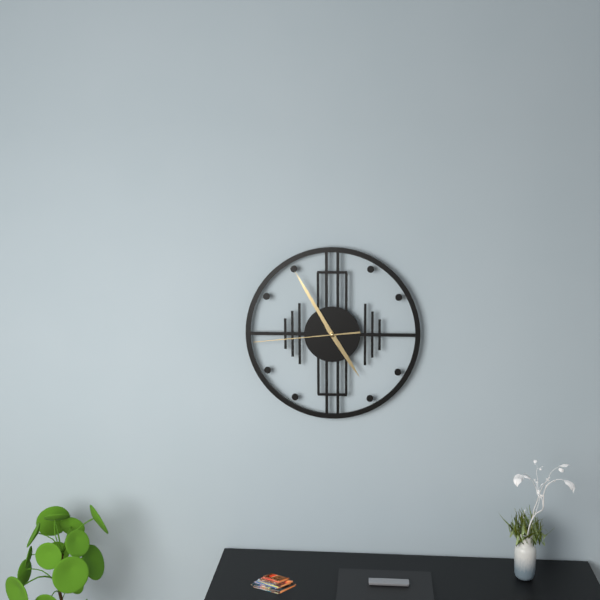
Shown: 4:55:44
